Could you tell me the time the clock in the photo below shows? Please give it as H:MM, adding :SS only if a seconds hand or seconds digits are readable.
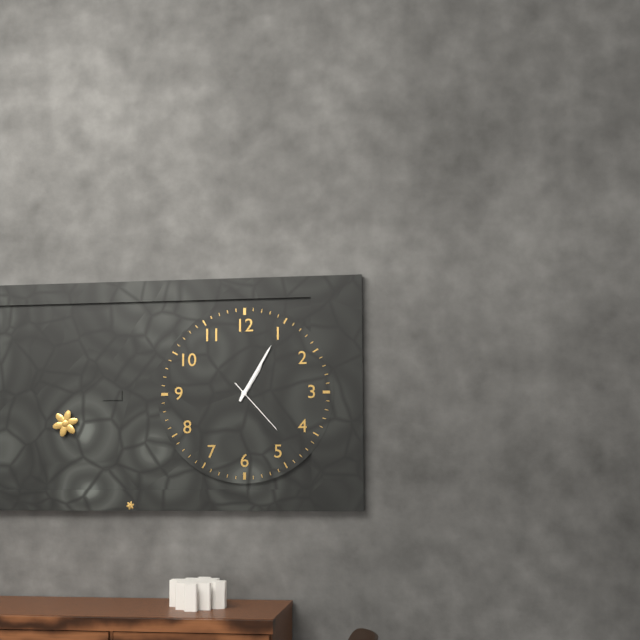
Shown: 1:05:23
